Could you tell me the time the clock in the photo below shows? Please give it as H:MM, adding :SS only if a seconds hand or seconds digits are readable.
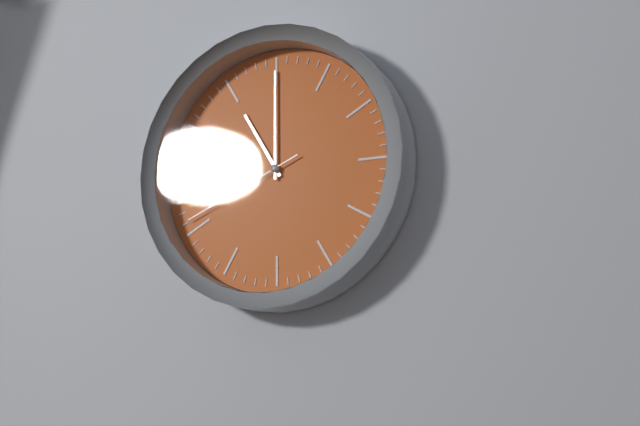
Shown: 11:00:41
